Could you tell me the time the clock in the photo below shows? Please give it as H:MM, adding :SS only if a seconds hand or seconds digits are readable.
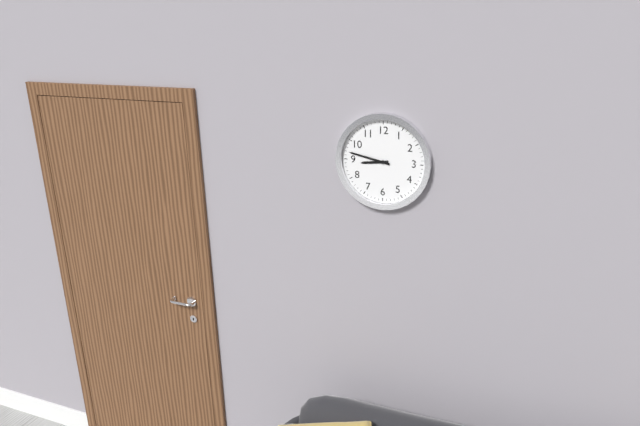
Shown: 8:47
